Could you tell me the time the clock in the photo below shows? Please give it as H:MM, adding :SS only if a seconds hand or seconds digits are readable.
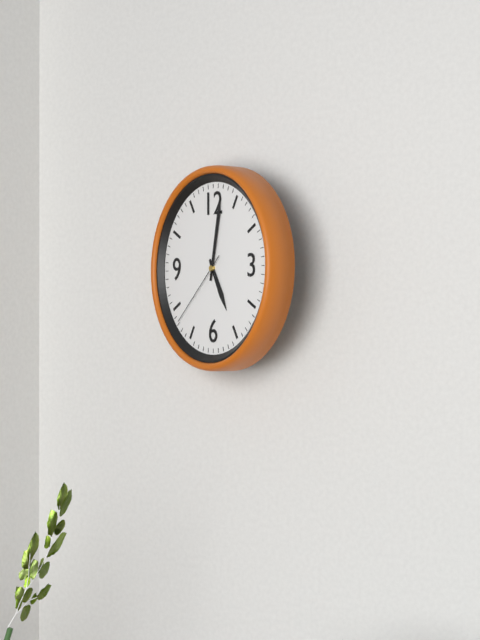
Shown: 5:02:38
